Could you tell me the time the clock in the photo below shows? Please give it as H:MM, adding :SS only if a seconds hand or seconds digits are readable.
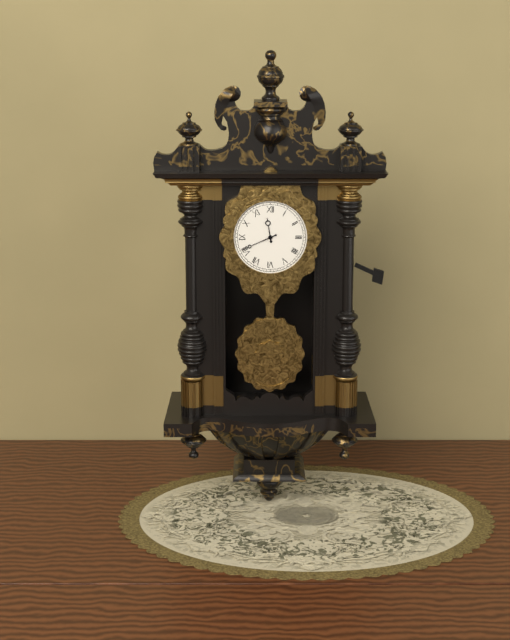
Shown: 11:41
